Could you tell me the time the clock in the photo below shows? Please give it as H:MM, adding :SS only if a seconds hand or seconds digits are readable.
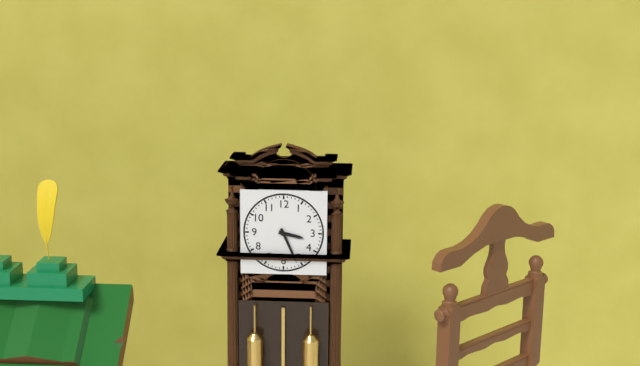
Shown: 3:26
